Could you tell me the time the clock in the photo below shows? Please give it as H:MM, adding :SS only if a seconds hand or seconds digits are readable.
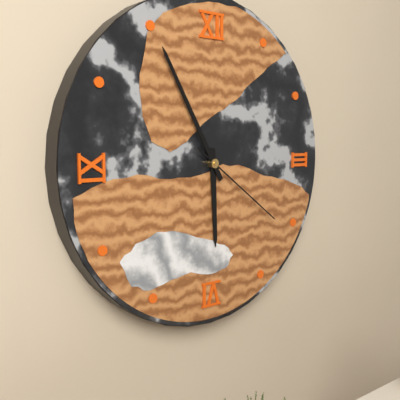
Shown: 5:55:21
